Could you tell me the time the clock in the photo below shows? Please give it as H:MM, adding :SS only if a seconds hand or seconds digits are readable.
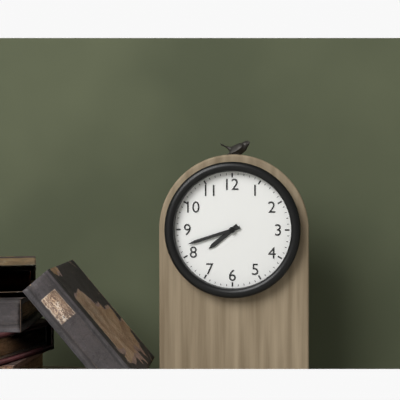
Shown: 7:42
